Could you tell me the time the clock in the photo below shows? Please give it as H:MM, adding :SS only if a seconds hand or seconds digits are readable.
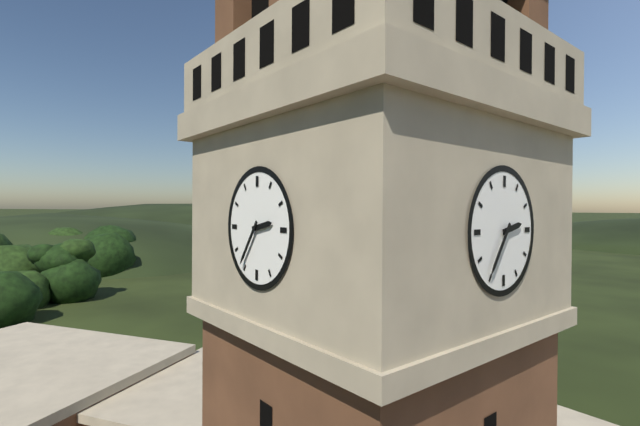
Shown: 2:36
